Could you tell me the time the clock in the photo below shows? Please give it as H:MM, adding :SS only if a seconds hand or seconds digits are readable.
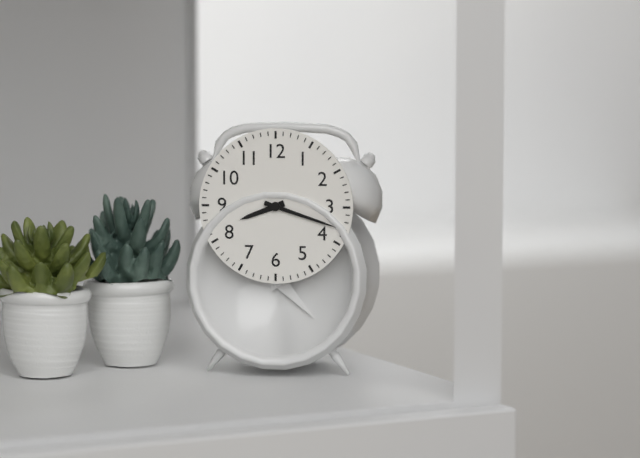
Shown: 8:18
